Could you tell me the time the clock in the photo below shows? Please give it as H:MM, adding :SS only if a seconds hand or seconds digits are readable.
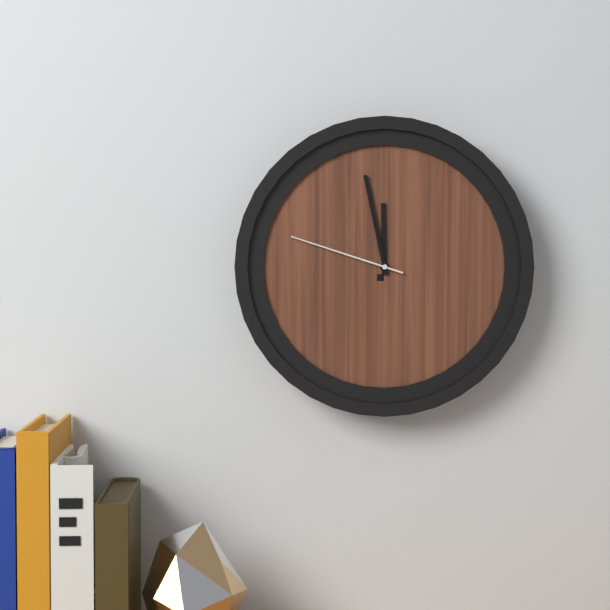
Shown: 11:58:48
